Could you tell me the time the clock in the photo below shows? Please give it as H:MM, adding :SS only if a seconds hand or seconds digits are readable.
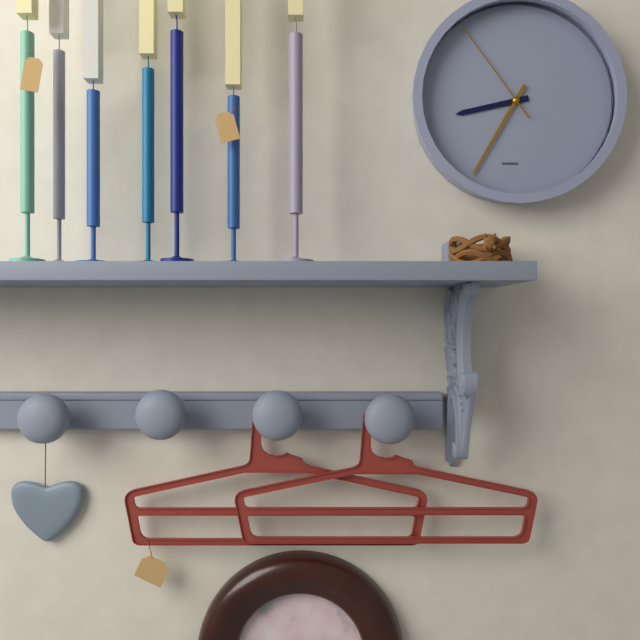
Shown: 8:35:54
